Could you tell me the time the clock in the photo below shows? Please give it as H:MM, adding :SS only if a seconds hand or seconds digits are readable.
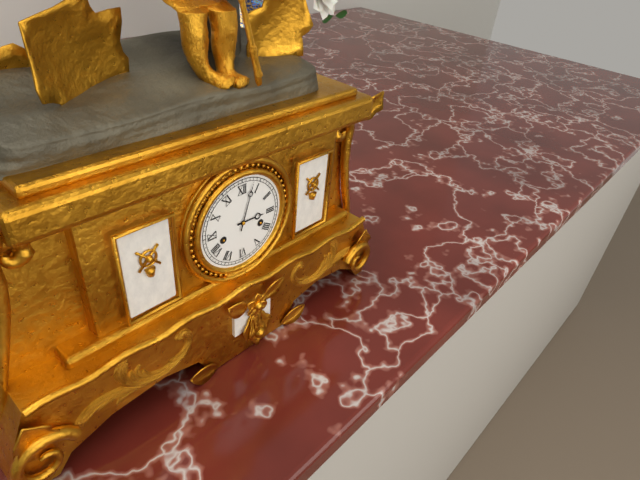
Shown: 3:03
